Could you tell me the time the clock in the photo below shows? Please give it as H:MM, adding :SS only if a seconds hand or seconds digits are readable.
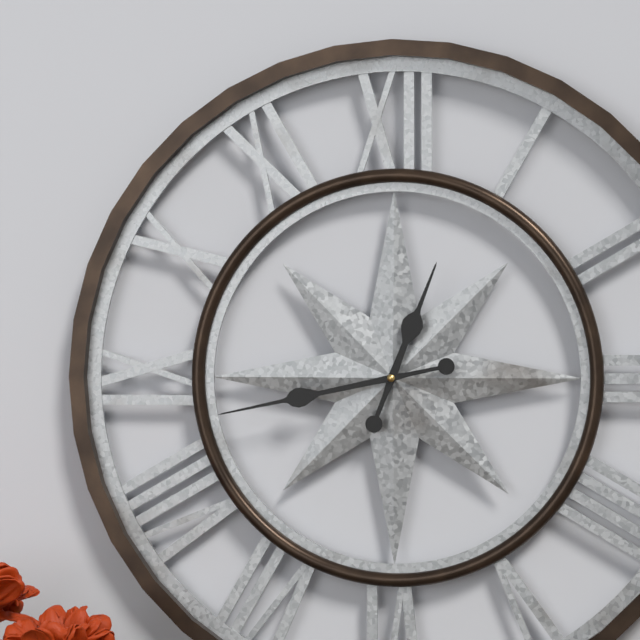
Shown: 12:43
